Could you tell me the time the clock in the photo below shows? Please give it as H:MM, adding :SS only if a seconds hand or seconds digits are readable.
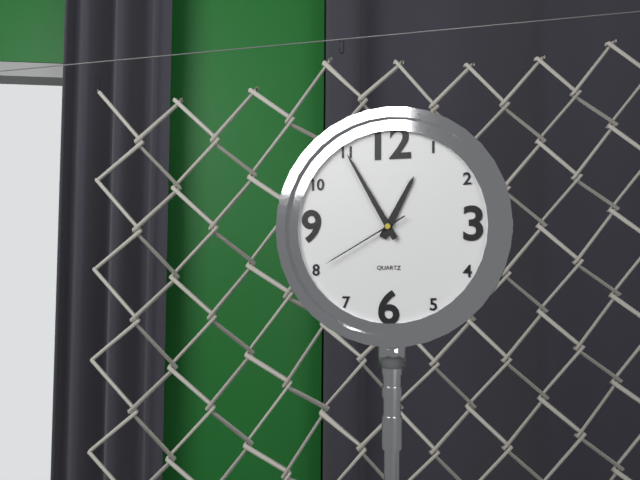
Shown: 12:55:40
